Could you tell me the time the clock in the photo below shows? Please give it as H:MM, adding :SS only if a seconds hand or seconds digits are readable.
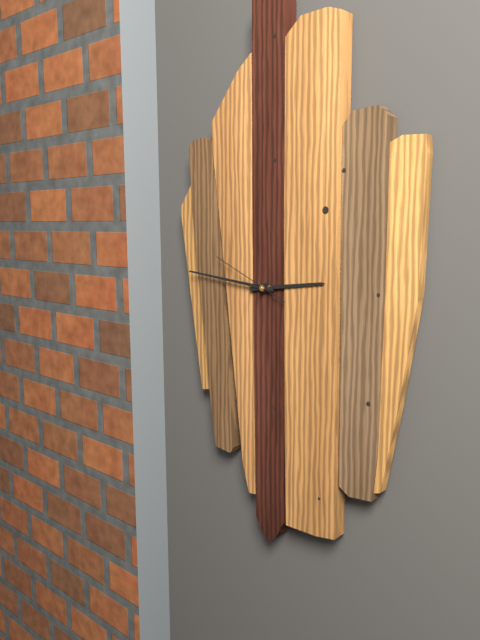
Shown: 2:46:49
